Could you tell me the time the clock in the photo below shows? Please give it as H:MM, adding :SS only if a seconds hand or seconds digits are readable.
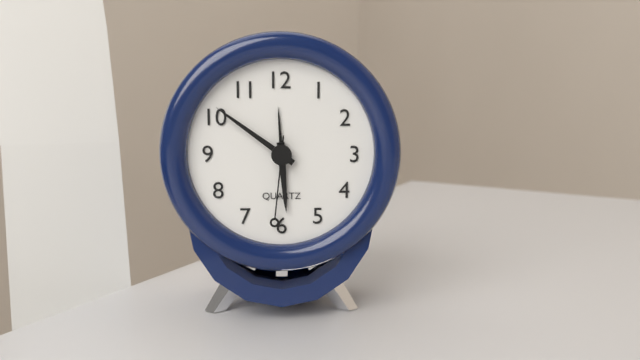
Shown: 5:51:31
